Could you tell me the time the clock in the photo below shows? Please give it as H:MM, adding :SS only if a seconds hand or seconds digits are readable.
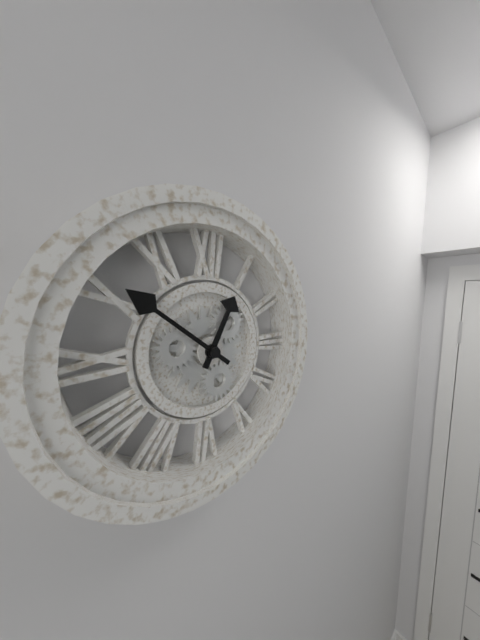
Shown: 12:51
